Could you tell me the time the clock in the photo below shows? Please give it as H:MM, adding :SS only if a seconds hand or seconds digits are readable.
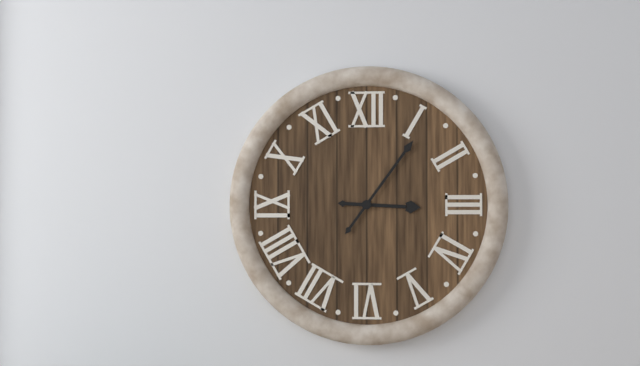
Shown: 3:06
